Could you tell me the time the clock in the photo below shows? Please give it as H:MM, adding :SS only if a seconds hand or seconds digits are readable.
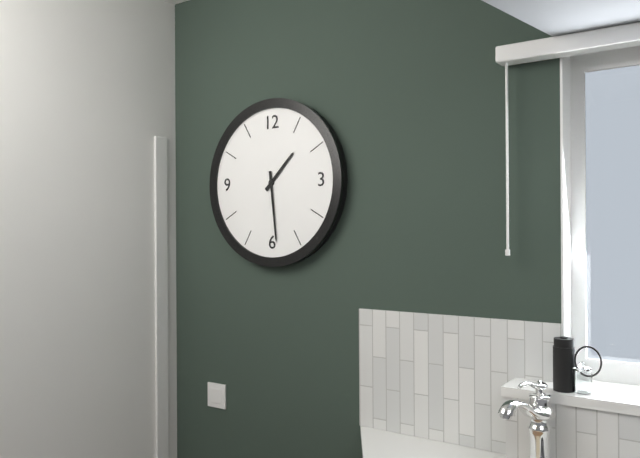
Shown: 1:29
